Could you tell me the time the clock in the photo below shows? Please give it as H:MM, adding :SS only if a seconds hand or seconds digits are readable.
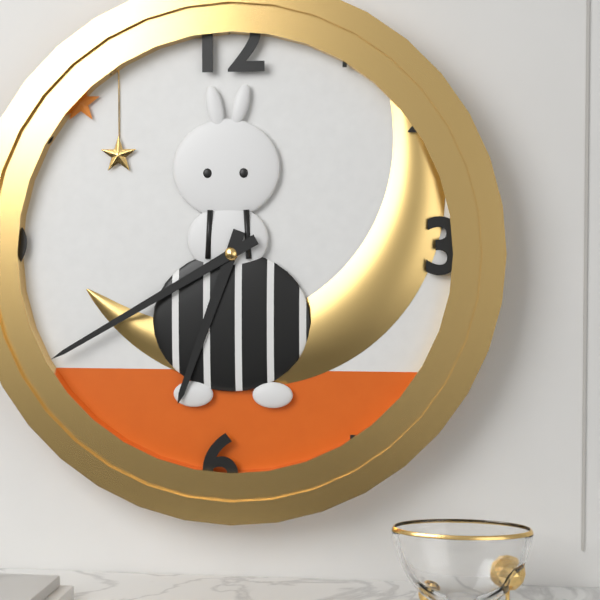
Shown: 6:40
